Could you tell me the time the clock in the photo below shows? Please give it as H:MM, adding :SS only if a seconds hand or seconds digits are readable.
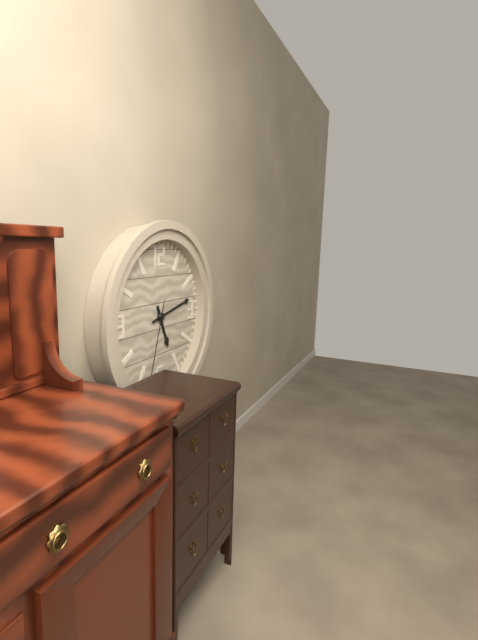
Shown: 5:13:33
